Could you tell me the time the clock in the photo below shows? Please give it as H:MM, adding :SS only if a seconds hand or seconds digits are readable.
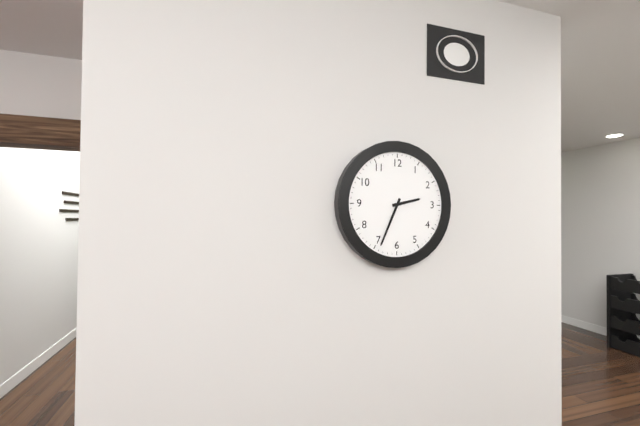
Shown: 2:34
